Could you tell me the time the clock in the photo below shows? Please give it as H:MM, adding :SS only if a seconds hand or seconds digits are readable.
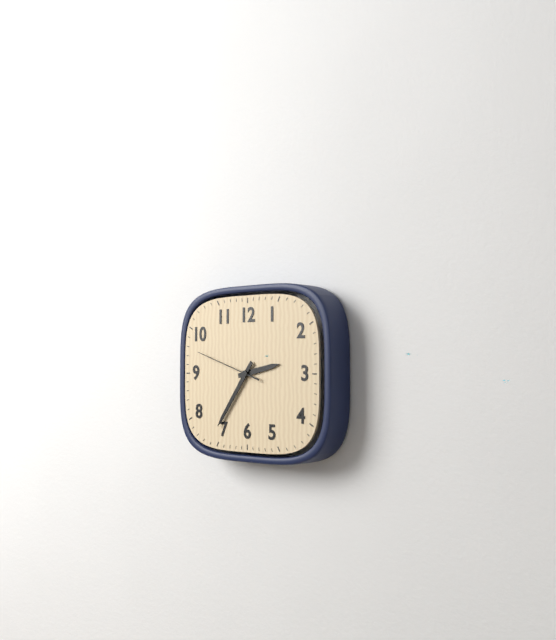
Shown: 2:36:48
